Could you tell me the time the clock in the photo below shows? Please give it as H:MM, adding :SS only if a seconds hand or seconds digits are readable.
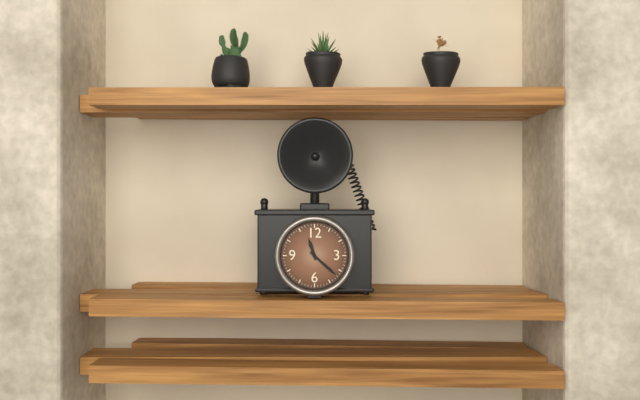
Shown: 11:22
